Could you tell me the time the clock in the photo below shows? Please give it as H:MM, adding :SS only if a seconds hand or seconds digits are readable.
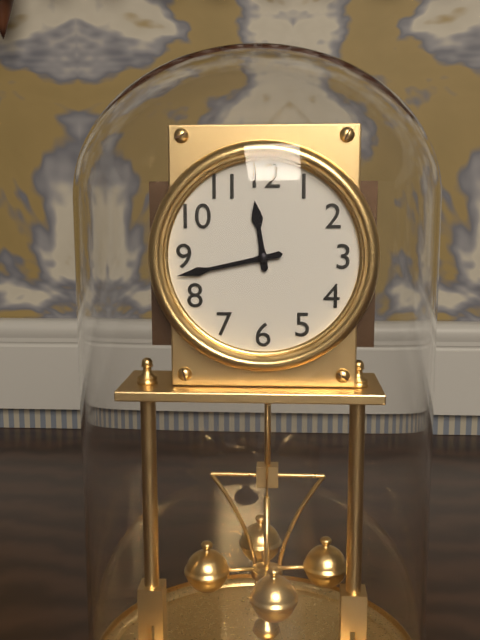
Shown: 11:43
